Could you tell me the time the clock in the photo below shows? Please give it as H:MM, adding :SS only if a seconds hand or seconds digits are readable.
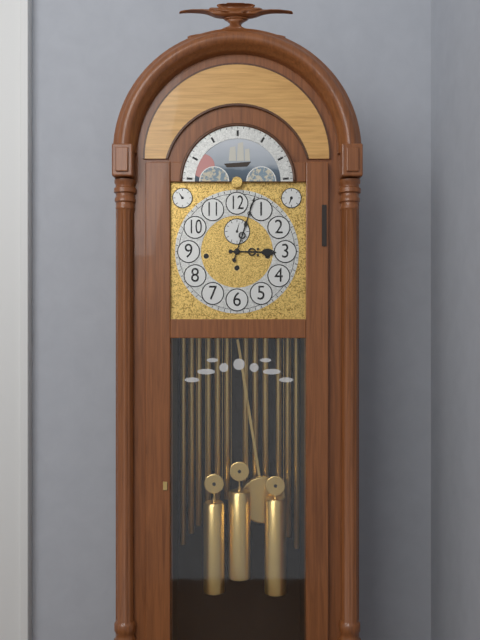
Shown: 3:03
